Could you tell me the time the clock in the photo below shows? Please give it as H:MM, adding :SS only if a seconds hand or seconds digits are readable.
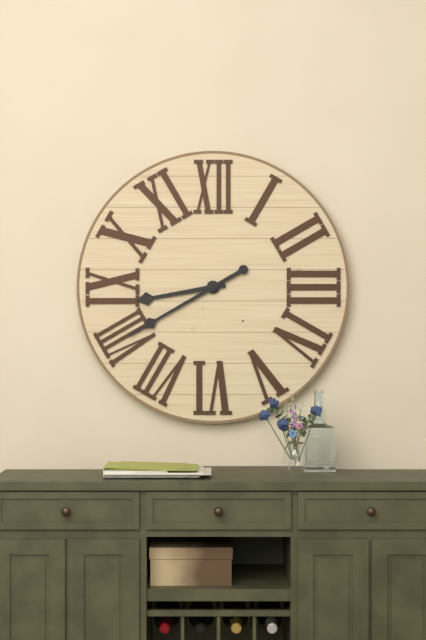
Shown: 8:40
